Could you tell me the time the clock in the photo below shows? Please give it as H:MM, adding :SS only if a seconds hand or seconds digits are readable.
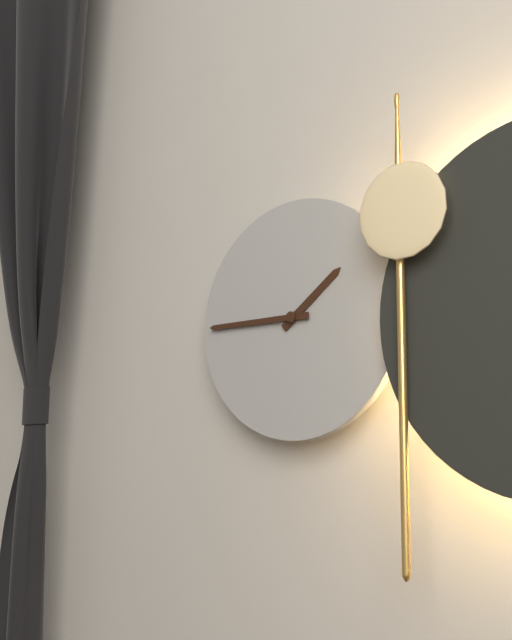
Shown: 1:45
